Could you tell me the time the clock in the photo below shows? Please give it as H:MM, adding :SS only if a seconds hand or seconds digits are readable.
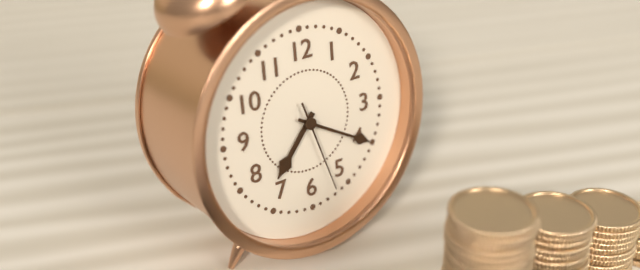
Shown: 7:20:27
